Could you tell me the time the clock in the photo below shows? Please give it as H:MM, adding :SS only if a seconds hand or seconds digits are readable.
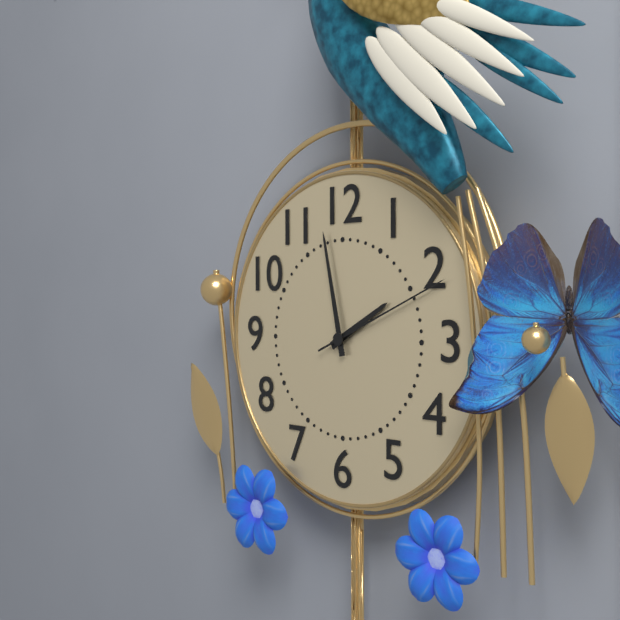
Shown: 1:58:11
